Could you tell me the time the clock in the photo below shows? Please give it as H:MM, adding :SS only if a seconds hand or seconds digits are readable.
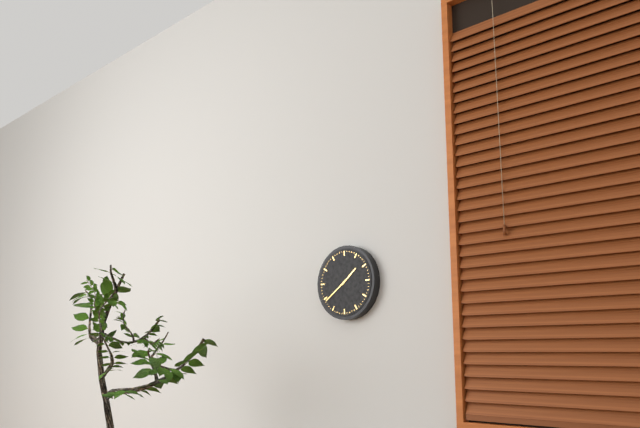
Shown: 1:39
